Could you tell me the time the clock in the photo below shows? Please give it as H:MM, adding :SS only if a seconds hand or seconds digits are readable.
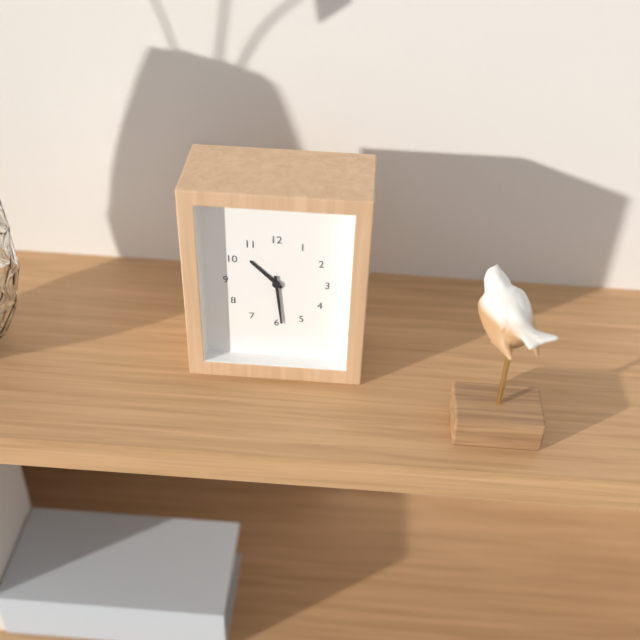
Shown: 10:29
